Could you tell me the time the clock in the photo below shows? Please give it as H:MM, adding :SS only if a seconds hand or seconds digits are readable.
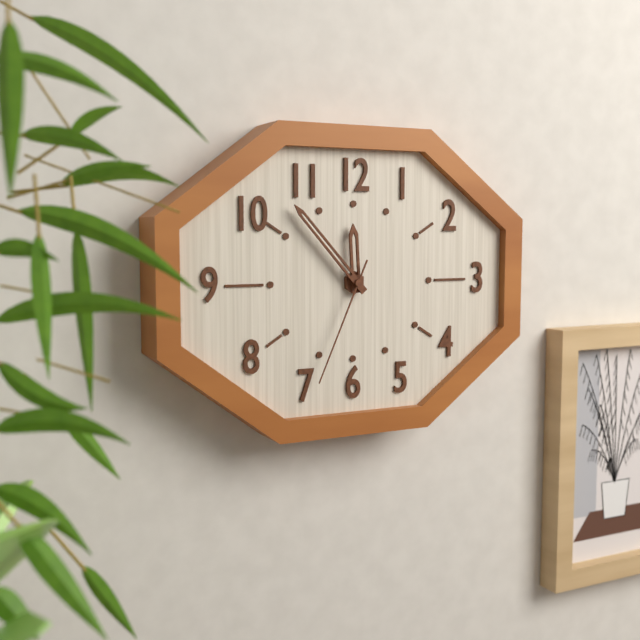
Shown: 11:53:34
